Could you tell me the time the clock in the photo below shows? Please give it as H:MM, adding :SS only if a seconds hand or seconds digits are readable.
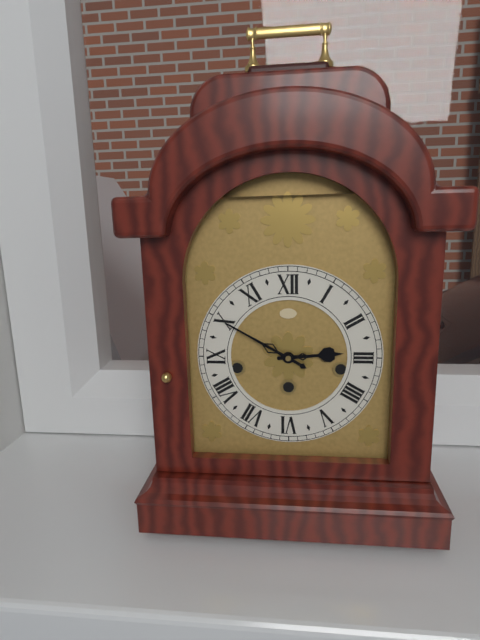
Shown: 2:50
